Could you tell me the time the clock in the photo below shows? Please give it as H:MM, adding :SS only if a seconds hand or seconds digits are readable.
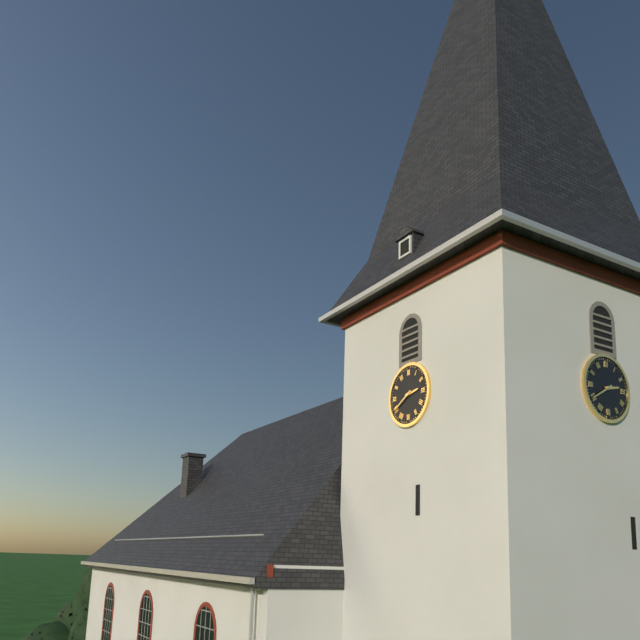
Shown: 2:40
